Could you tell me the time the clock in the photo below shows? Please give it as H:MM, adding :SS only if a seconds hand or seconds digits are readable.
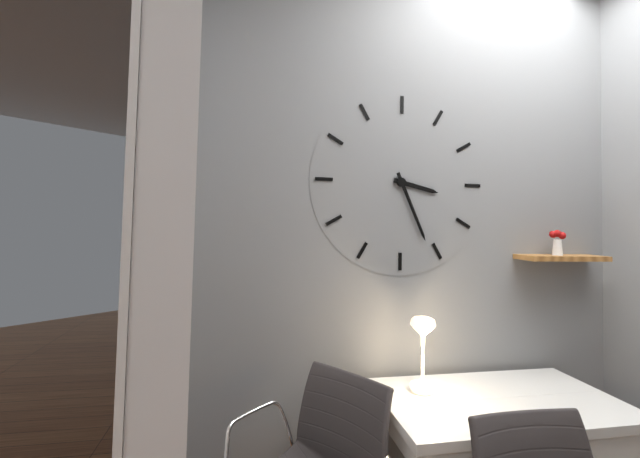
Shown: 3:26
